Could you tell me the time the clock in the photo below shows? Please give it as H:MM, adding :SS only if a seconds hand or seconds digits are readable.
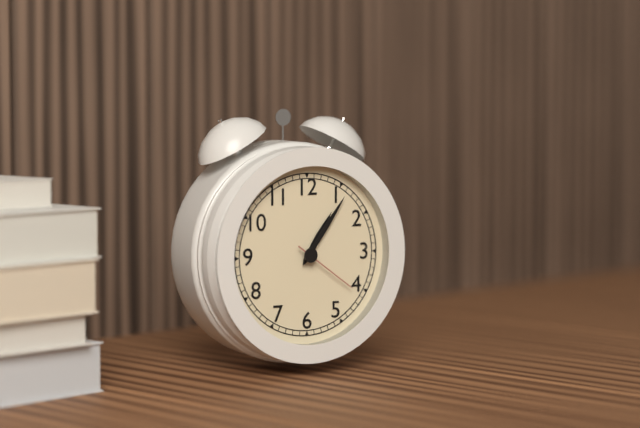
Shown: 1:06:21
